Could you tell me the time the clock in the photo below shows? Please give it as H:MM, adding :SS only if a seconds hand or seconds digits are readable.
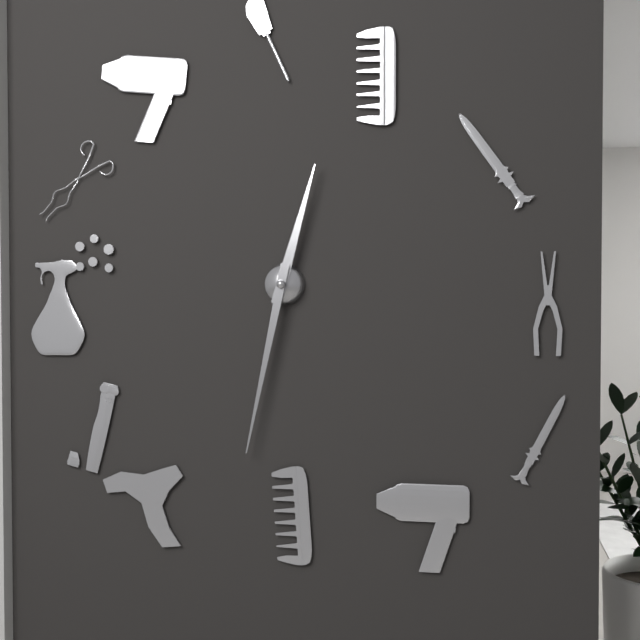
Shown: 12:32
